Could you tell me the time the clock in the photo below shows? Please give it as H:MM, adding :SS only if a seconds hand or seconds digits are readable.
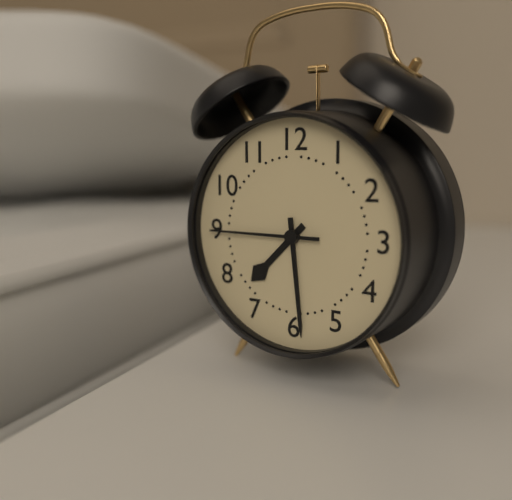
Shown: 7:29:45
